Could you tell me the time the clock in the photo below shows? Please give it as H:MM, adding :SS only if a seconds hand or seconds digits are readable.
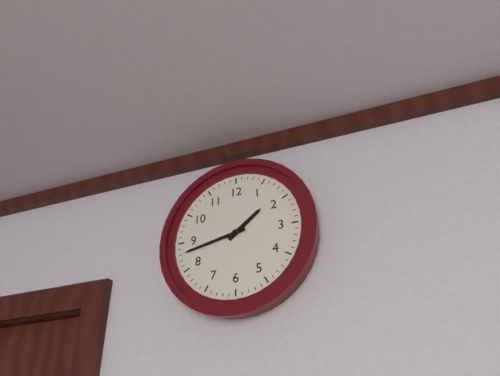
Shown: 1:43
